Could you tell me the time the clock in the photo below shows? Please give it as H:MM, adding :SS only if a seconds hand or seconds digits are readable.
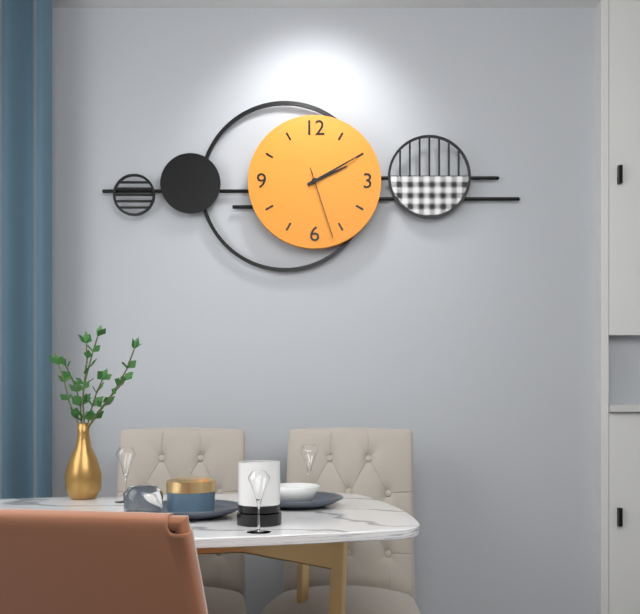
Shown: 2:10:27
